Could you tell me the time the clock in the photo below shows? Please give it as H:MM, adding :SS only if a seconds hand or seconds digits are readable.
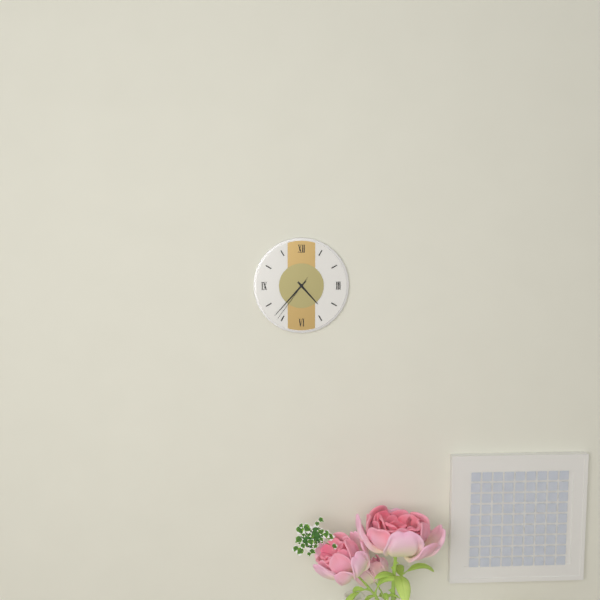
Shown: 4:37:36
